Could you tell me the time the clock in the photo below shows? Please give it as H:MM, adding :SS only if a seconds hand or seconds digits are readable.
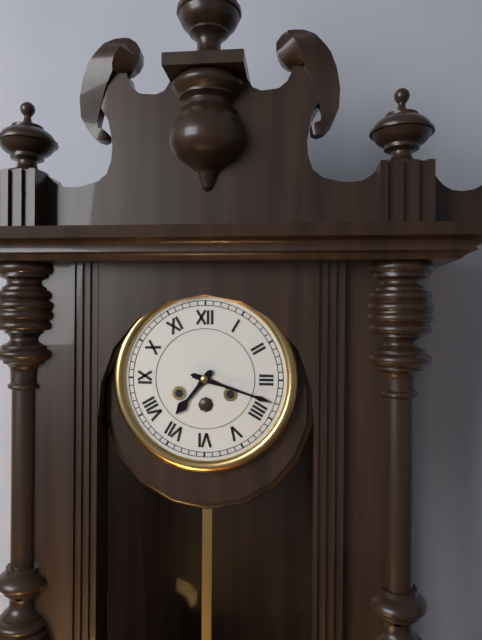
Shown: 7:18
